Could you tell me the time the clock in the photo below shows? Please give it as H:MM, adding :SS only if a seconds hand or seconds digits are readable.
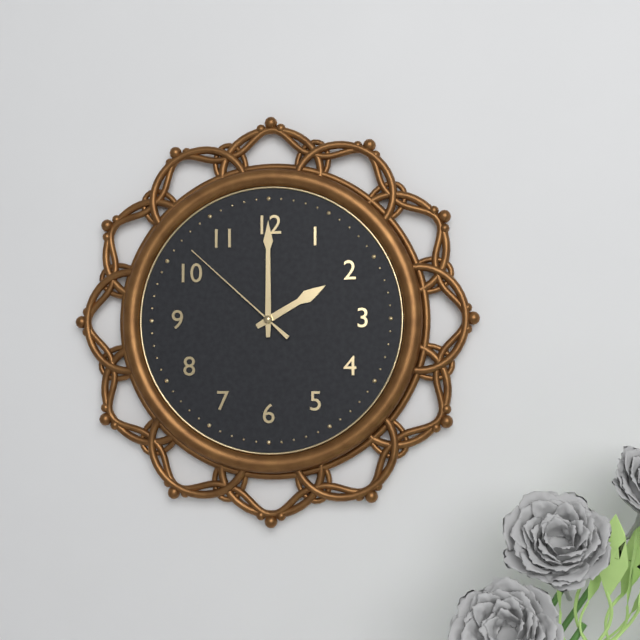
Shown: 2:00:52
